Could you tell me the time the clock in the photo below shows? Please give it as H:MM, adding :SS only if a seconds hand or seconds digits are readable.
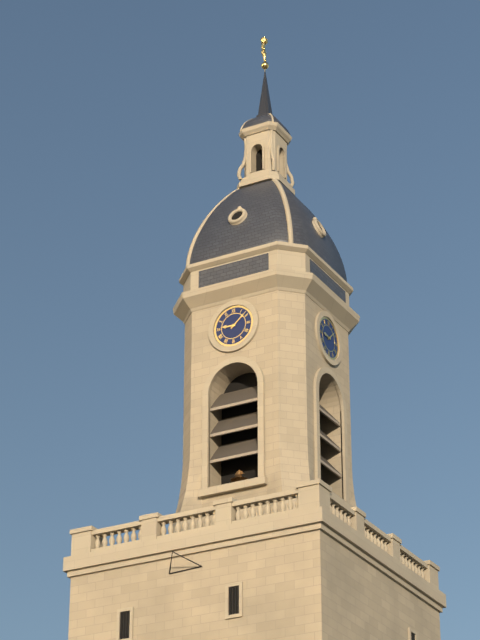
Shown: 9:08
